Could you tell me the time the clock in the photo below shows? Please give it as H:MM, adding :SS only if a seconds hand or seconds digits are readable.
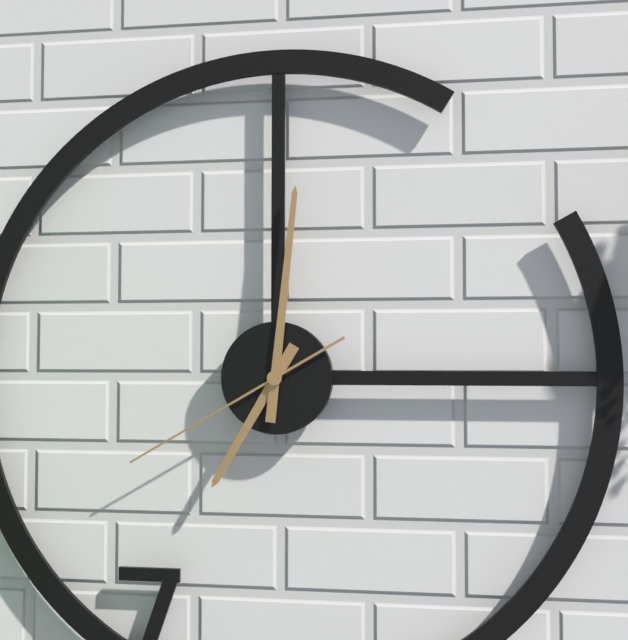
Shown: 7:01:40
